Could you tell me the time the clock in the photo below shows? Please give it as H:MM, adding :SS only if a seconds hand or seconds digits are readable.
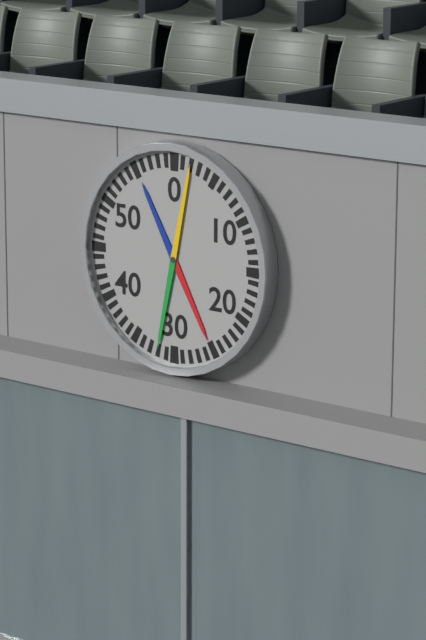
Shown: 5:02
